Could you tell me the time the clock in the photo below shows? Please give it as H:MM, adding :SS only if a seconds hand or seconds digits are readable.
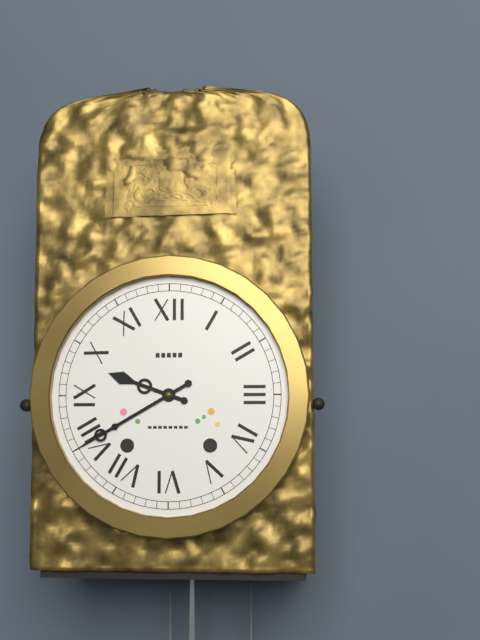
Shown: 9:40
